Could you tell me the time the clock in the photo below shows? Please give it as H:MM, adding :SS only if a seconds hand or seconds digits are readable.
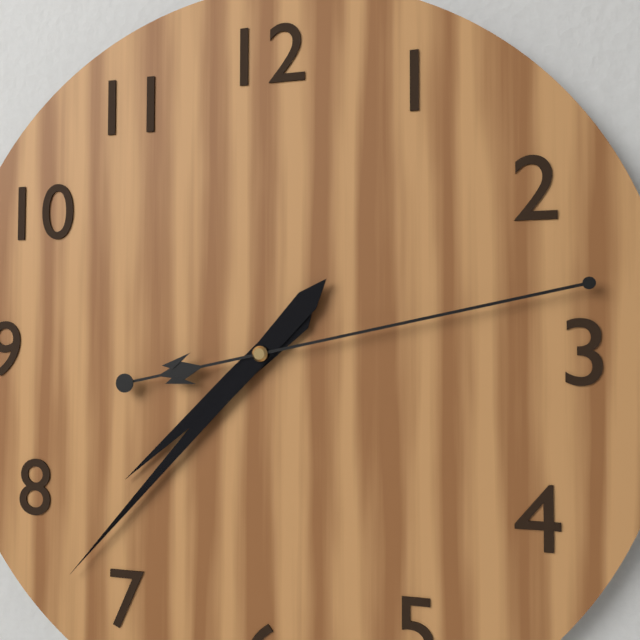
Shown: 7:37:13
